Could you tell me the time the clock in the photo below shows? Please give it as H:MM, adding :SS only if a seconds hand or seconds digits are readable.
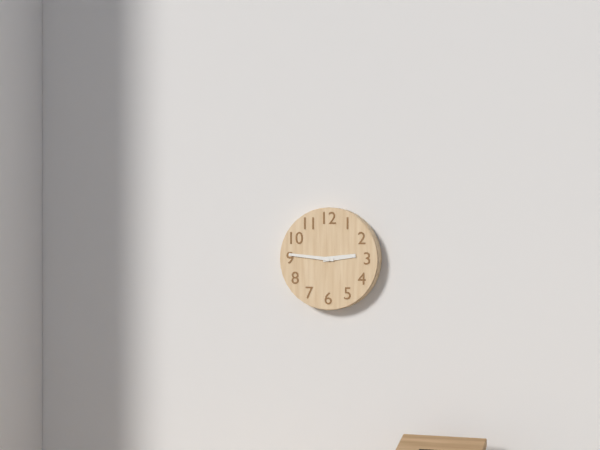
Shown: 2:46
